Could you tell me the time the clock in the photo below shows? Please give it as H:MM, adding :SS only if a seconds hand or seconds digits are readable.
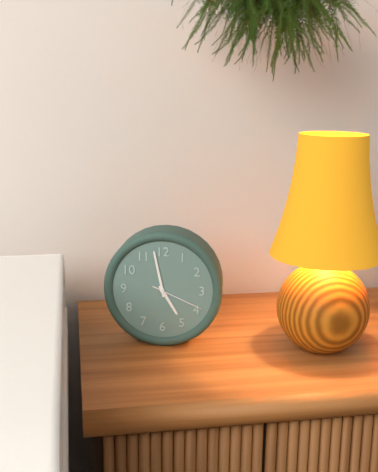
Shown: 4:58:19
